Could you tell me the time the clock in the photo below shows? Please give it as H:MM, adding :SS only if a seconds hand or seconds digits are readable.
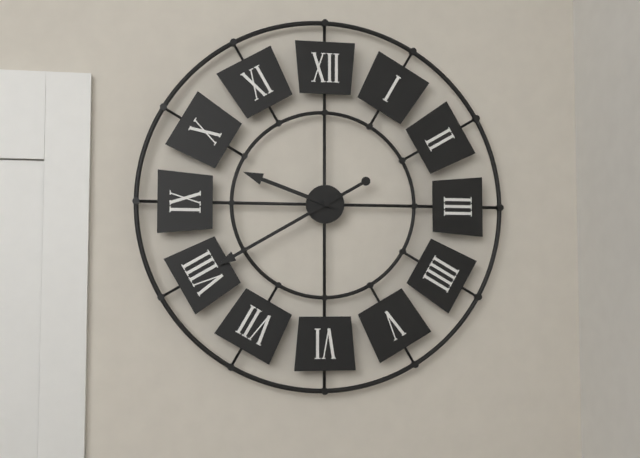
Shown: 9:40
